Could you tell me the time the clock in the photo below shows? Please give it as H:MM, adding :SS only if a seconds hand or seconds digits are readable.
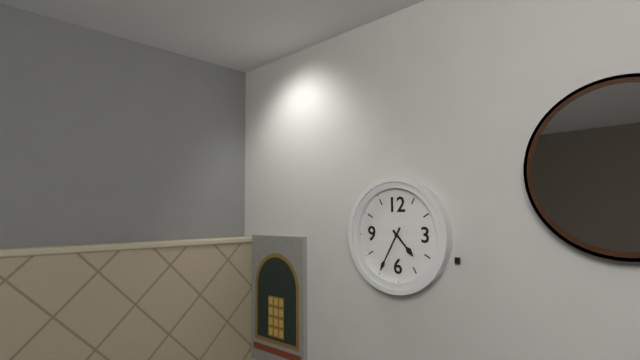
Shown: 4:35
